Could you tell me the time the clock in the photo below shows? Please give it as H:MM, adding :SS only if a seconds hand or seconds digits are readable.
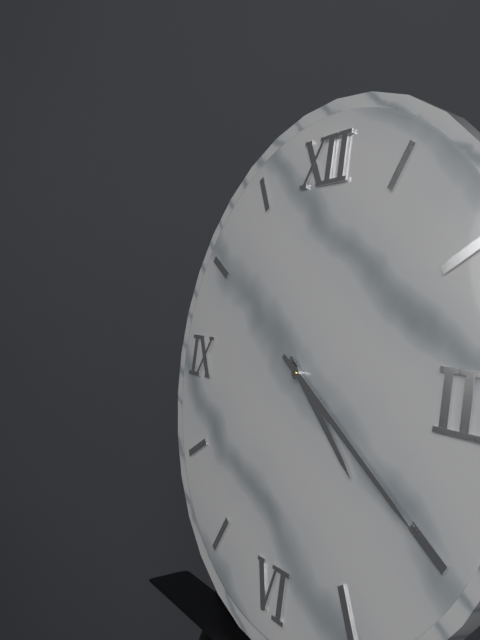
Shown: 4:20
